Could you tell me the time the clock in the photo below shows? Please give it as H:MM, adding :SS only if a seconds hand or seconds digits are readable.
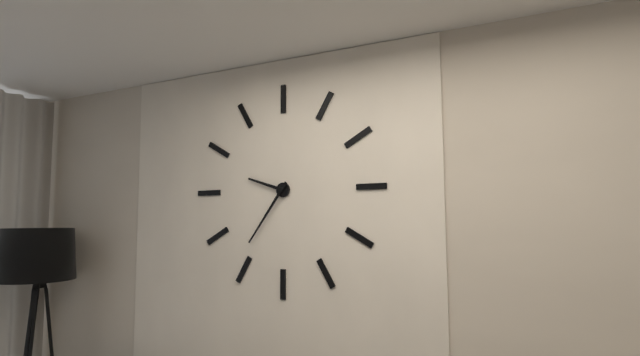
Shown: 9:36
